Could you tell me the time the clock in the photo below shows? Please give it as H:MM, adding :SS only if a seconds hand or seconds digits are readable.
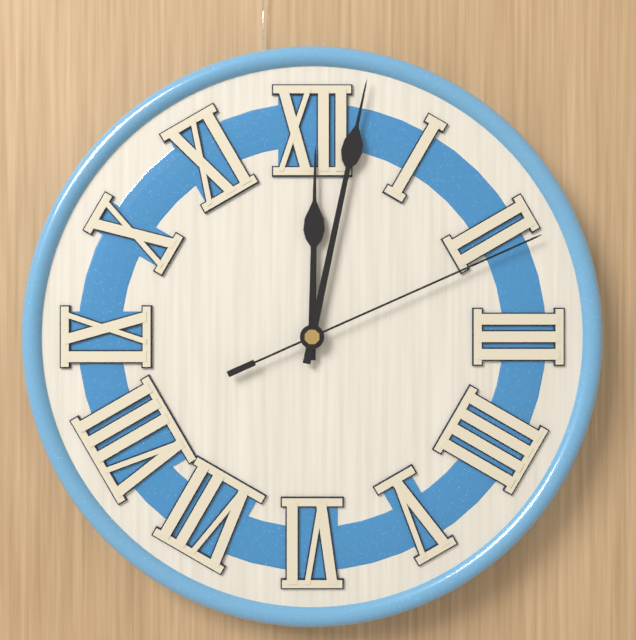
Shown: 12:02:11
